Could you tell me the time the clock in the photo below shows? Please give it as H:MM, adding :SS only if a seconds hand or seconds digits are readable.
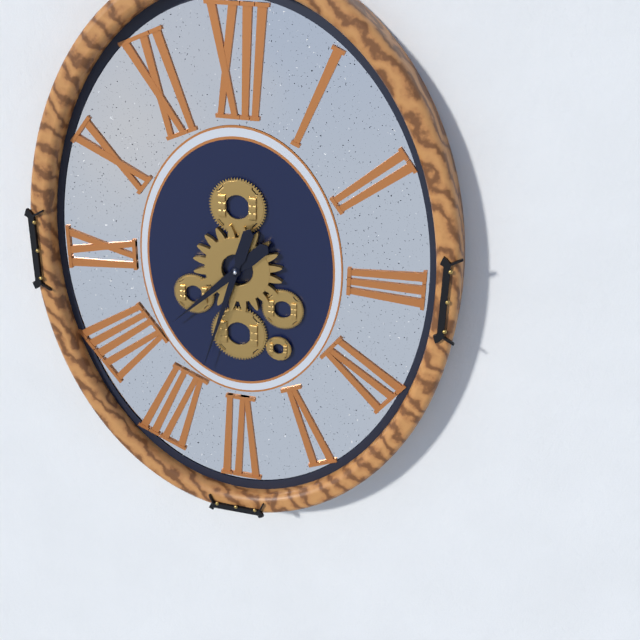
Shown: 7:33
